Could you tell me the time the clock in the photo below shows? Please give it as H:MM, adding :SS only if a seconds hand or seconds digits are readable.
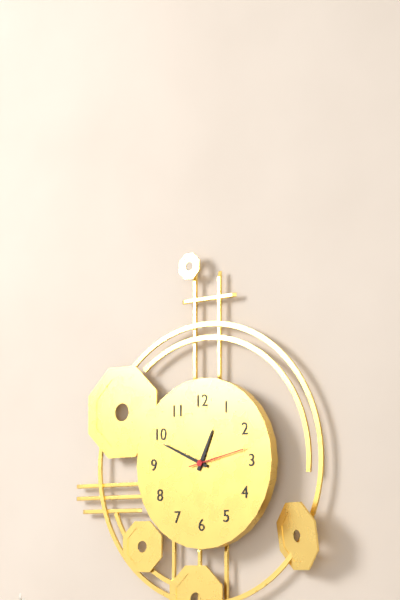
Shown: 12:49:13
